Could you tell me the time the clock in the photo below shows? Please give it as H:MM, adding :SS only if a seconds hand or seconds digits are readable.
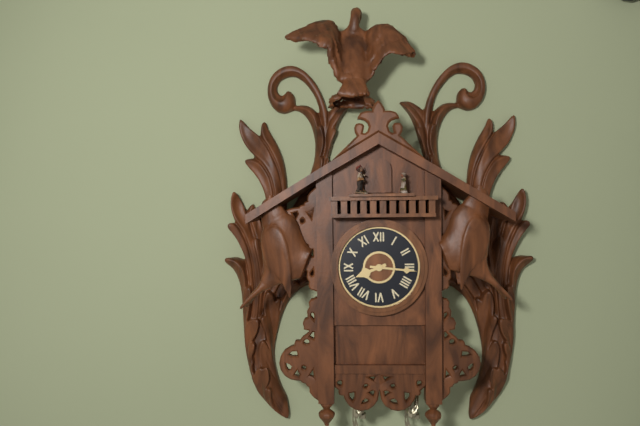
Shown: 8:16
